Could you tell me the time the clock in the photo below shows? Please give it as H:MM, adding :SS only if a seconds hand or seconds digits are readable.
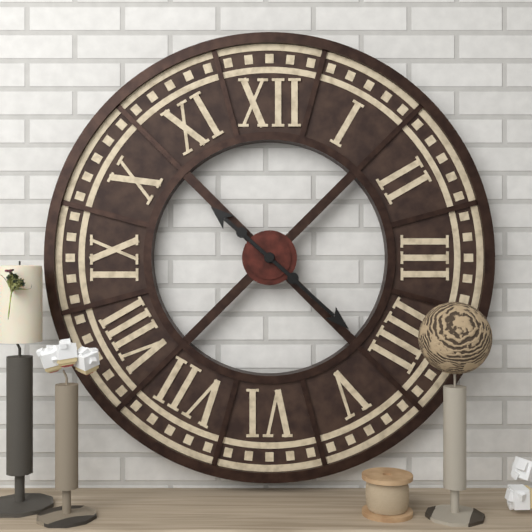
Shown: 10:22
